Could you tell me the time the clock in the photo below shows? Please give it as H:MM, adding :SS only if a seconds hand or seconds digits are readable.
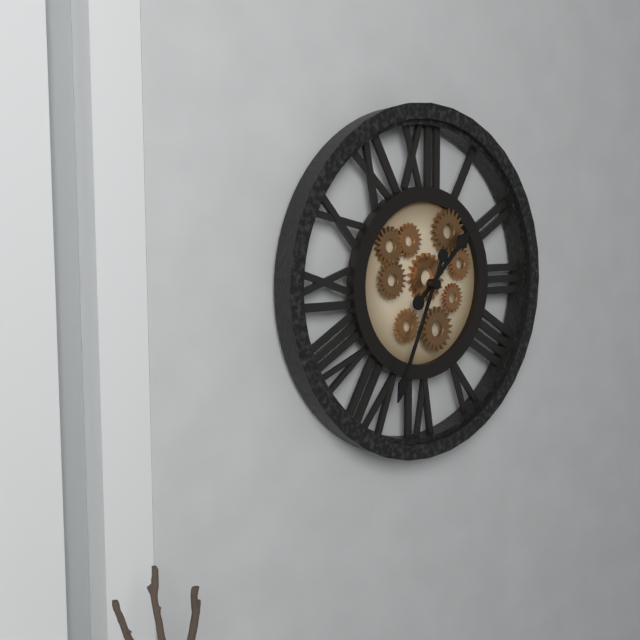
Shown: 1:34
